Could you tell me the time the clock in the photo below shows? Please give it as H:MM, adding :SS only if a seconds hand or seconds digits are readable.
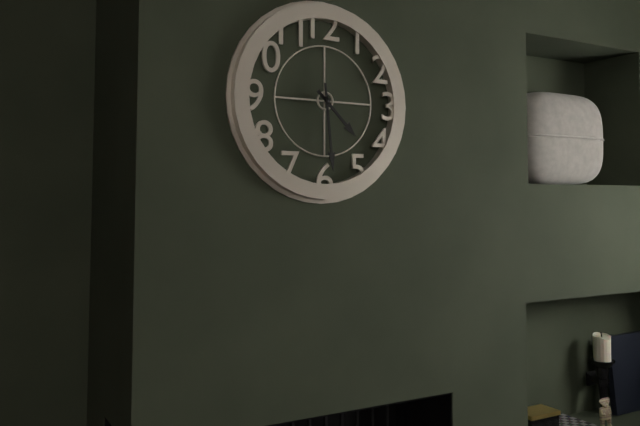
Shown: 4:29
